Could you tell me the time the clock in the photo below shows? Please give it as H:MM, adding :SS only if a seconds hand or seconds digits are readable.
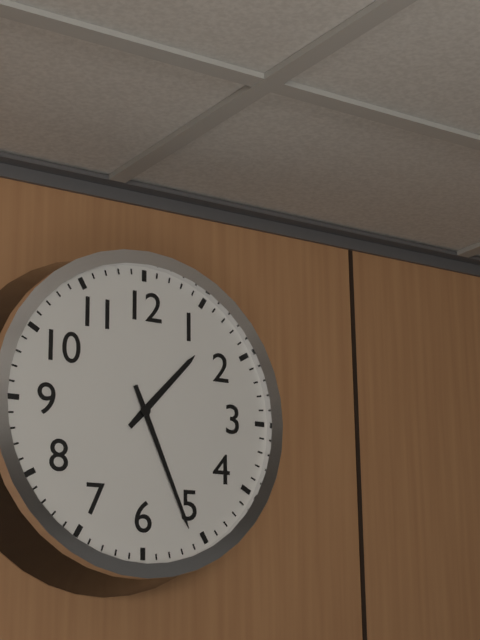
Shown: 1:26
